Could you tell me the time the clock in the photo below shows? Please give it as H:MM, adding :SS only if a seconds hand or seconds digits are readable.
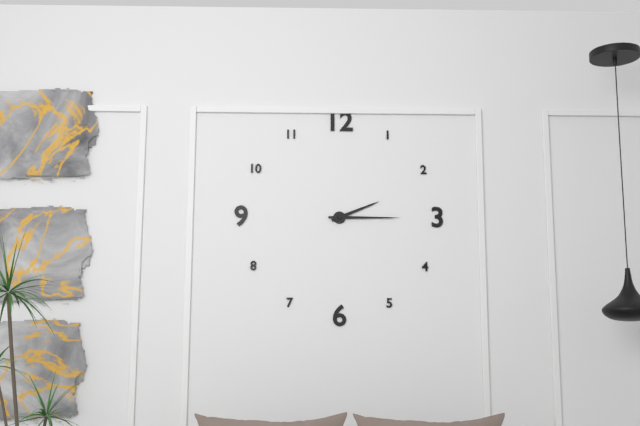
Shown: 2:15
